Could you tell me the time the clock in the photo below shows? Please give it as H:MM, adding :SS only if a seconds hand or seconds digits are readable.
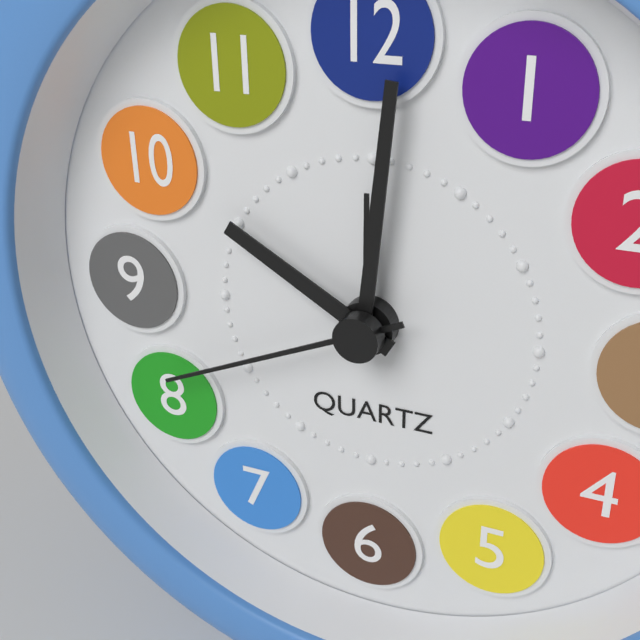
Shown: 10:01:41
